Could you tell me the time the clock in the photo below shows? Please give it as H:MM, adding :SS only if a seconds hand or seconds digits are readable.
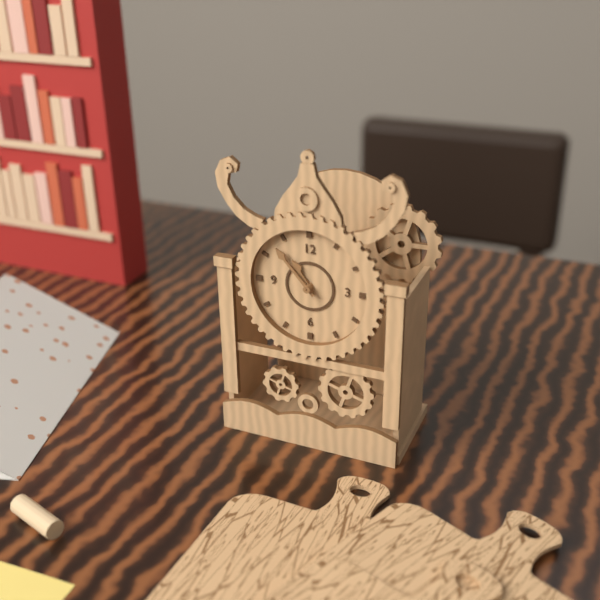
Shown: 10:53
